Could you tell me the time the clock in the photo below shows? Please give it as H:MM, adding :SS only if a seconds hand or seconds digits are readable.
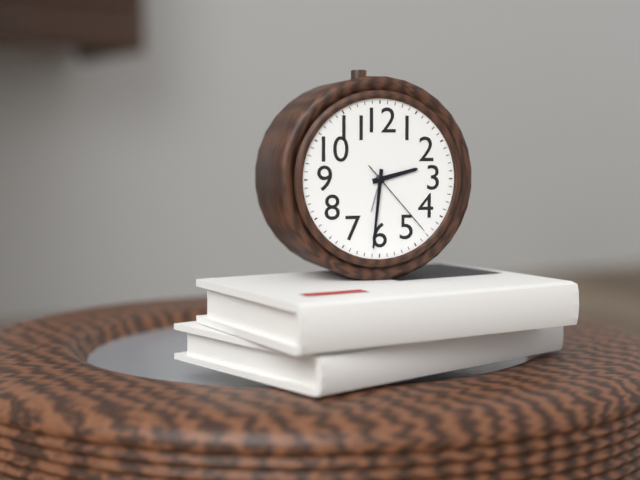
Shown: 2:31:23
